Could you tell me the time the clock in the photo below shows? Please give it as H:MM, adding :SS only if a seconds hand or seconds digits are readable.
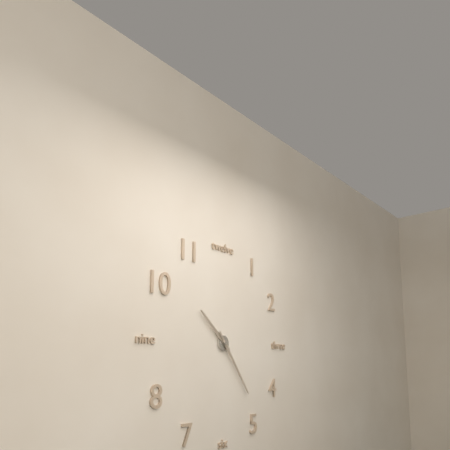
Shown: 10:24
